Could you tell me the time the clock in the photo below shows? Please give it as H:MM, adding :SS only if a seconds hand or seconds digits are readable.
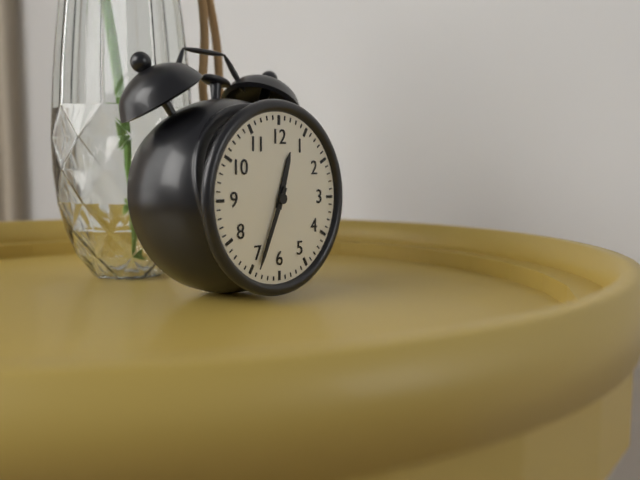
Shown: 12:34
